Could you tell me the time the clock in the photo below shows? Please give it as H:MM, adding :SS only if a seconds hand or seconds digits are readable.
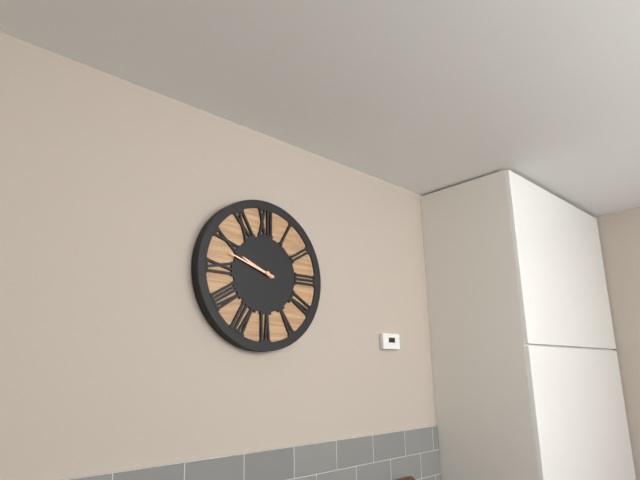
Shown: 9:48
